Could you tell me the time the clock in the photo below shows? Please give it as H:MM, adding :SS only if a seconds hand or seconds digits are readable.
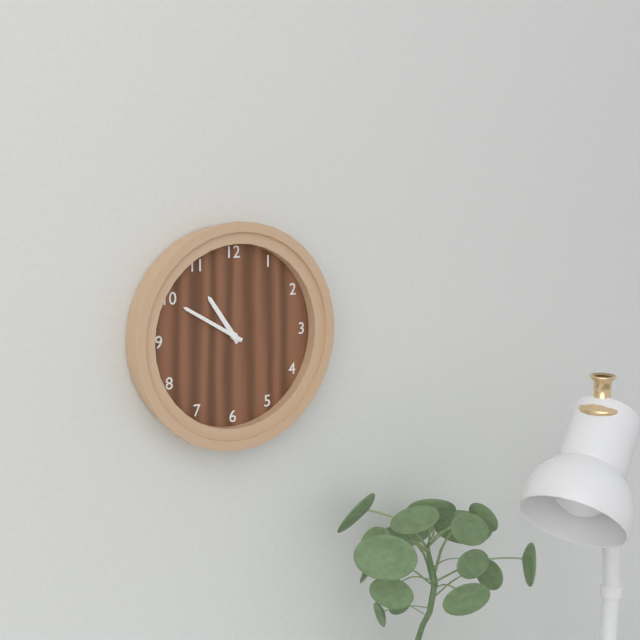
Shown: 10:50
